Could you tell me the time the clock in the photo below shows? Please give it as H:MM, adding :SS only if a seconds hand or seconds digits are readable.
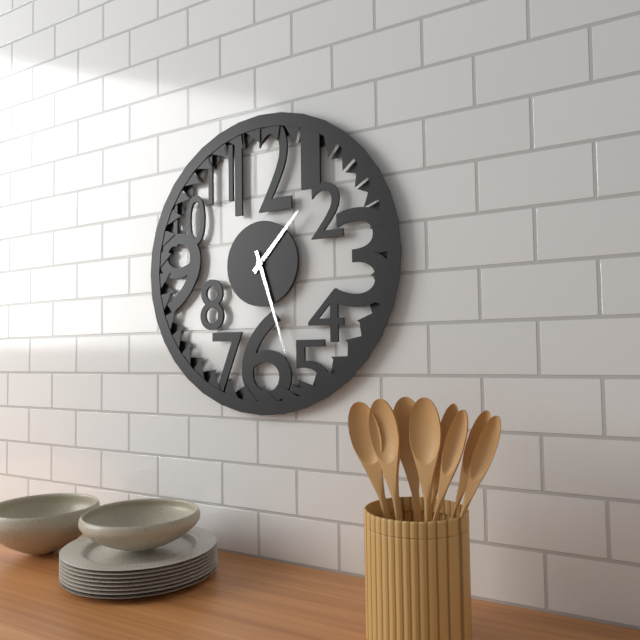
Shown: 1:27
